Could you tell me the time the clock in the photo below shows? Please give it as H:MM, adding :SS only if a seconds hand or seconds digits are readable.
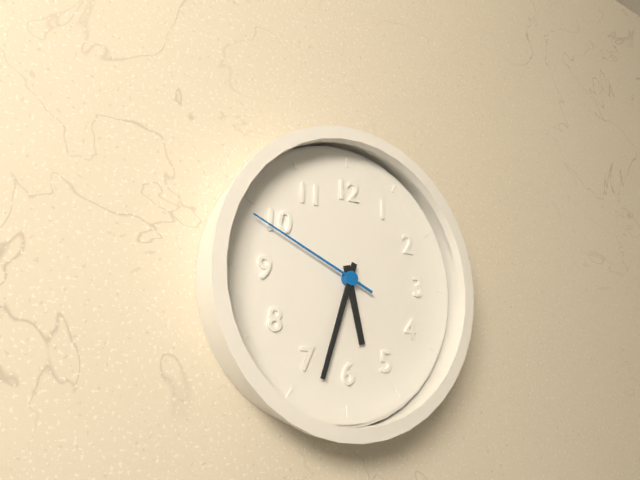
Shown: 5:33:49
